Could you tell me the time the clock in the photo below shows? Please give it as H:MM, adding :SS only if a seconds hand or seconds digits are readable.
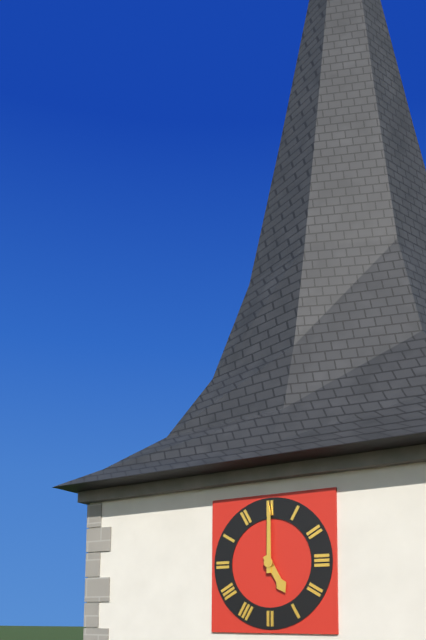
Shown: 5:00
